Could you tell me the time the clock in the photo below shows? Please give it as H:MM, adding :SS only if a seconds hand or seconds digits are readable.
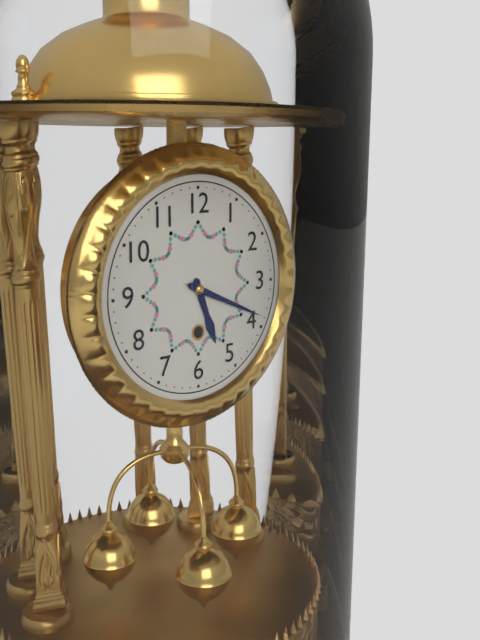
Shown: 5:19
